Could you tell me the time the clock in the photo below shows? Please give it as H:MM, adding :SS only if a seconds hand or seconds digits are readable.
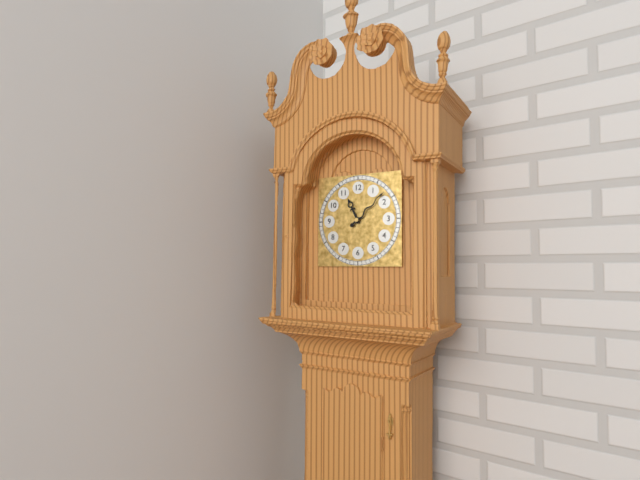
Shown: 11:08
